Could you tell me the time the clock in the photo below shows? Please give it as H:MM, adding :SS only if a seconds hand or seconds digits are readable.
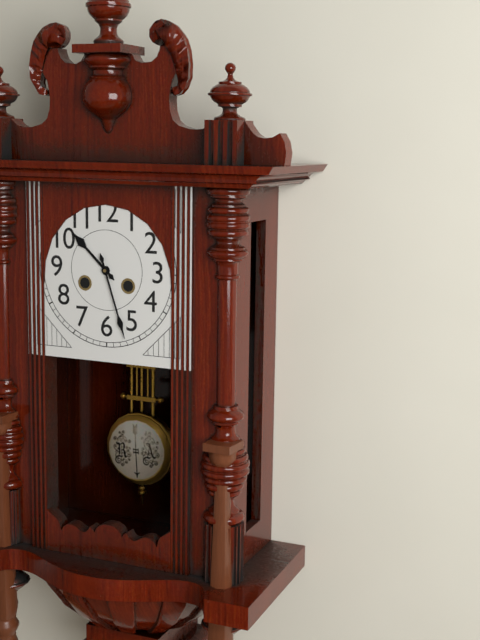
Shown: 10:27
